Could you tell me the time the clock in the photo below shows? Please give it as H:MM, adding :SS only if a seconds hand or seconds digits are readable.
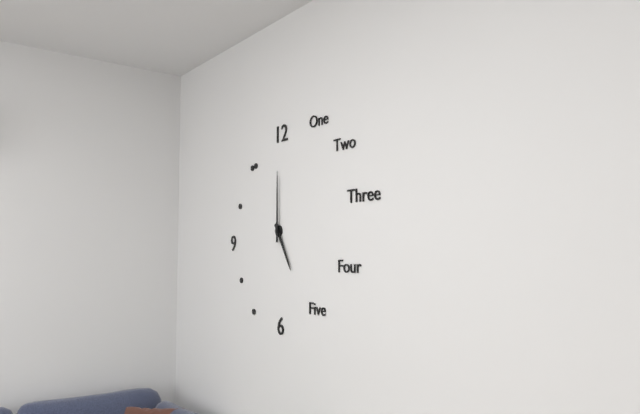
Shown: 5:00
